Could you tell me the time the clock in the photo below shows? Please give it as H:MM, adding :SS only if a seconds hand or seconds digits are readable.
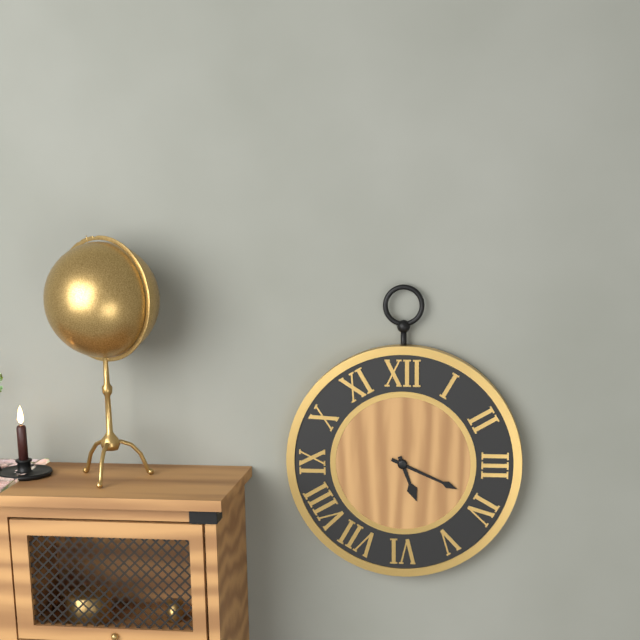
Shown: 5:19
